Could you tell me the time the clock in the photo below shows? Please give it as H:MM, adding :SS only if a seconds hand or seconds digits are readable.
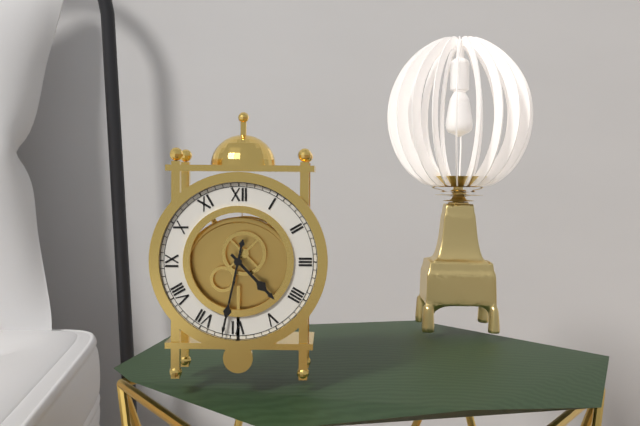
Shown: 4:32
